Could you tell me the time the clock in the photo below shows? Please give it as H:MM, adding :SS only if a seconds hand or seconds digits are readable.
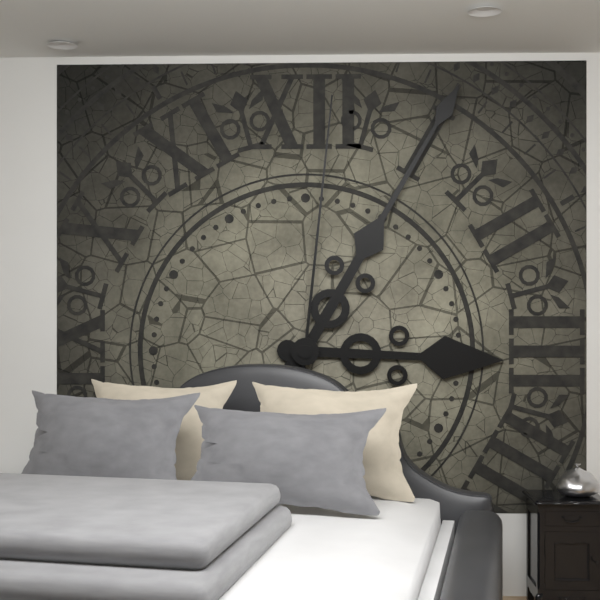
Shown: 3:05:01
